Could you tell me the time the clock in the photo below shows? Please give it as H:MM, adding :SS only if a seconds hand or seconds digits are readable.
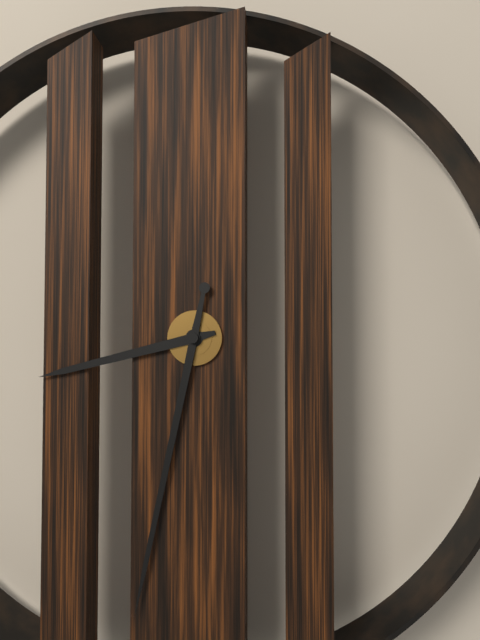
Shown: 8:32
